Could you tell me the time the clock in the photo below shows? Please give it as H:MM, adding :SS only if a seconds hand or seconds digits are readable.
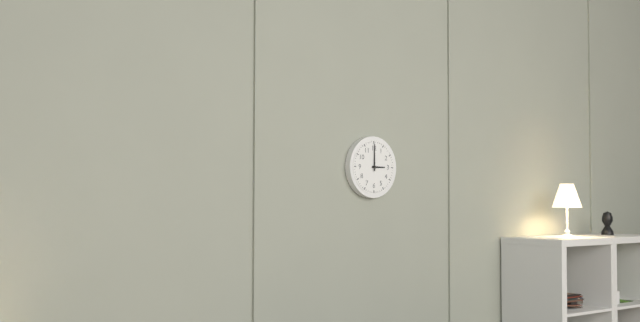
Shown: 3:00
